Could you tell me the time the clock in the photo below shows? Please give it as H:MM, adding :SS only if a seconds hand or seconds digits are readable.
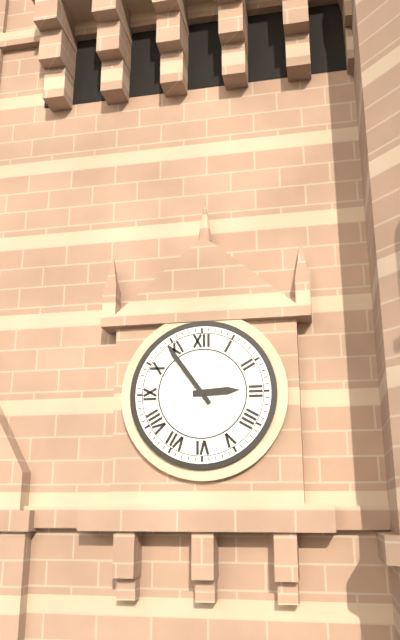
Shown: 2:54
